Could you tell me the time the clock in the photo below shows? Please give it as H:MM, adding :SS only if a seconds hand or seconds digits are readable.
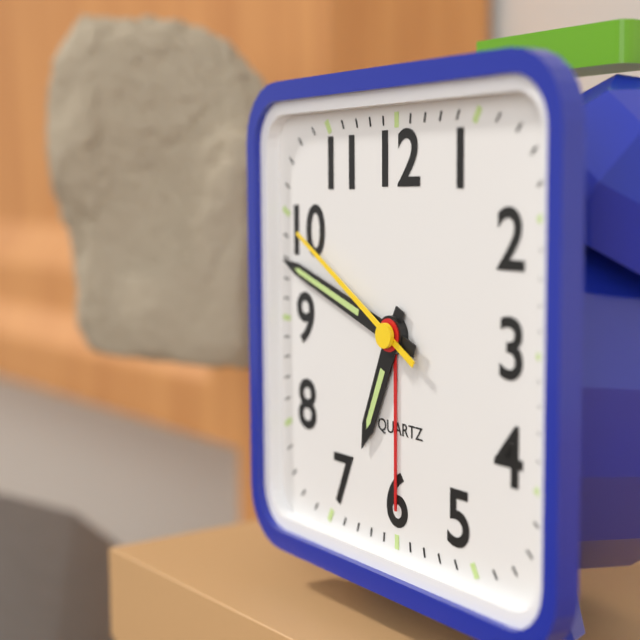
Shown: 6:48:50
